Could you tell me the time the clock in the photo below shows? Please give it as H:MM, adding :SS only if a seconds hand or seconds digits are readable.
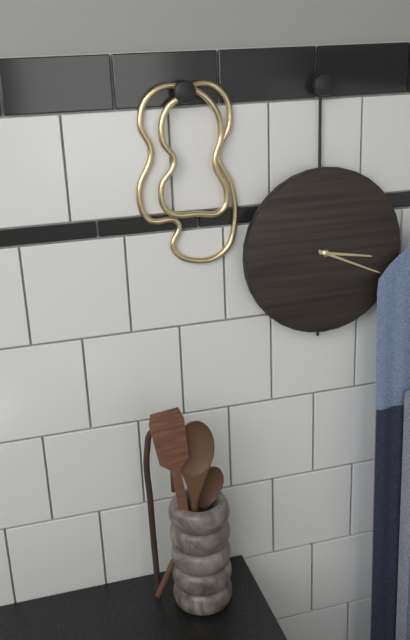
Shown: 3:19
